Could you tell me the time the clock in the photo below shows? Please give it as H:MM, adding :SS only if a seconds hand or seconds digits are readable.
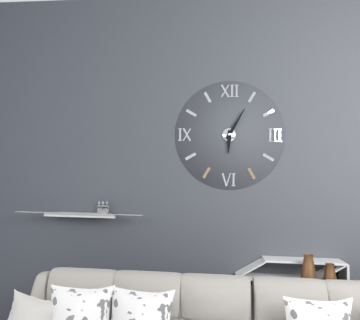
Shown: 6:05
